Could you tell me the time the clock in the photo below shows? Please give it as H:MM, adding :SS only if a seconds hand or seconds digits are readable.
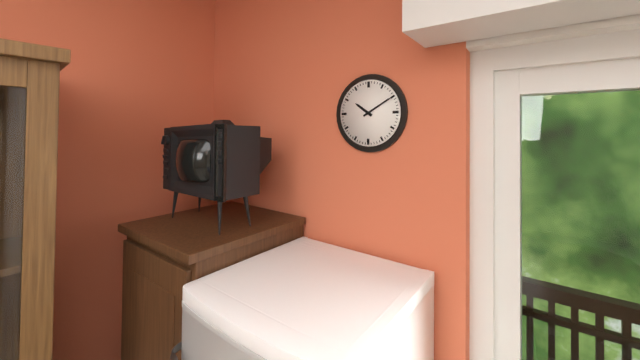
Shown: 10:10
